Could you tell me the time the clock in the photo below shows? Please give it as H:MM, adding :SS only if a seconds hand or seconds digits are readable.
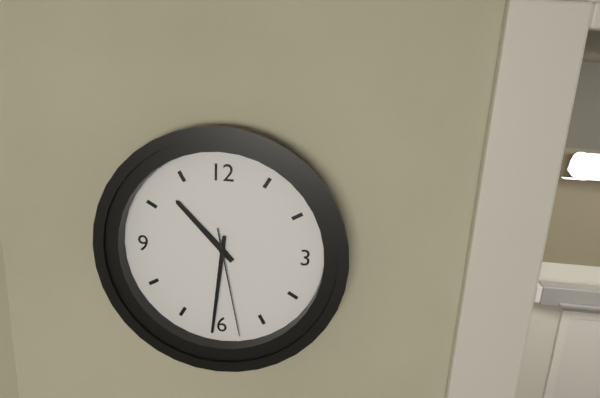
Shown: 10:31:28
